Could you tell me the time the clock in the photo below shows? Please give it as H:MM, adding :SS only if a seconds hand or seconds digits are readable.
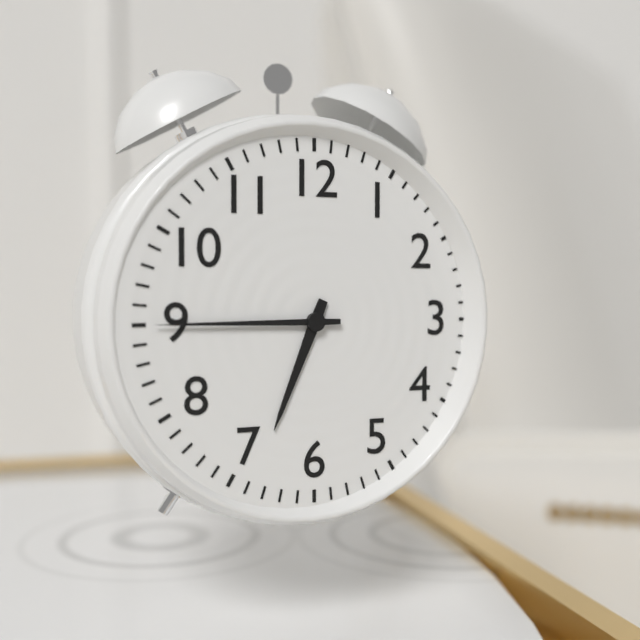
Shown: 6:45
